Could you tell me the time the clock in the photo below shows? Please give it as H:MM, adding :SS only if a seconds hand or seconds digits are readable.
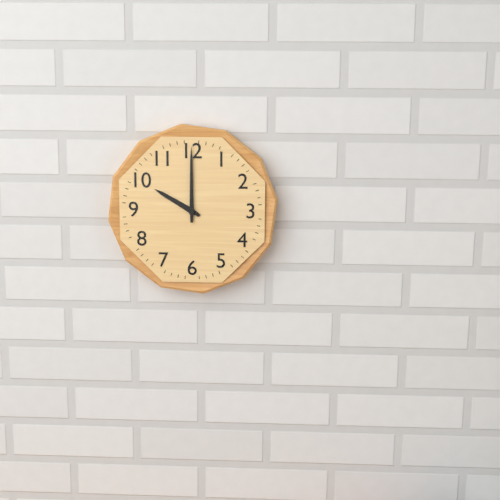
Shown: 10:00
